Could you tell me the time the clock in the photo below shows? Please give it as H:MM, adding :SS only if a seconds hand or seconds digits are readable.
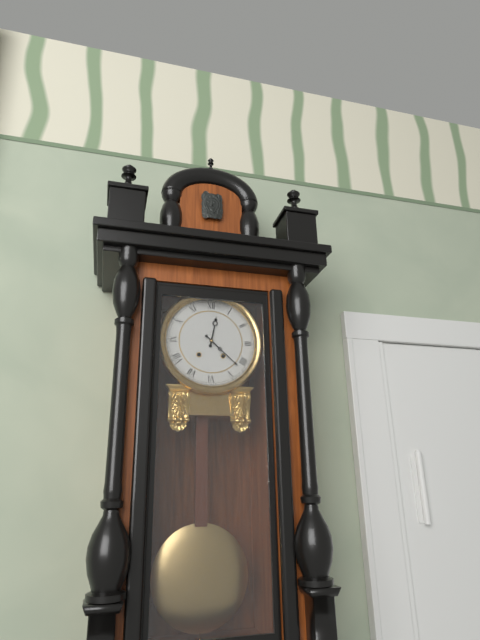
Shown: 12:22
